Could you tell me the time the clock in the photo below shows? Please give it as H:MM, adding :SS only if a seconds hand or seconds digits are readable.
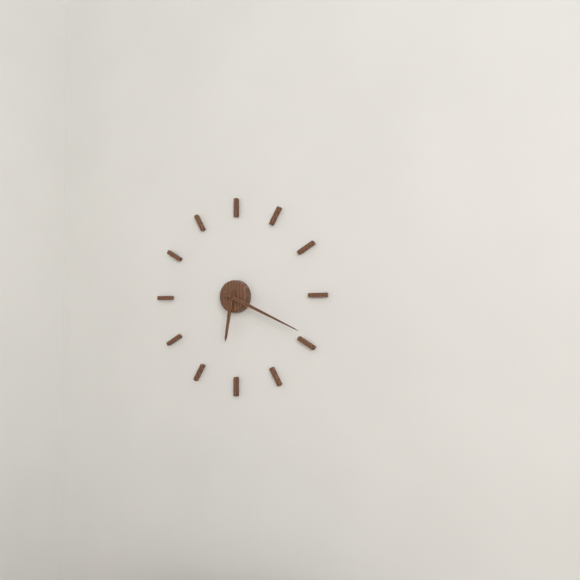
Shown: 6:19
